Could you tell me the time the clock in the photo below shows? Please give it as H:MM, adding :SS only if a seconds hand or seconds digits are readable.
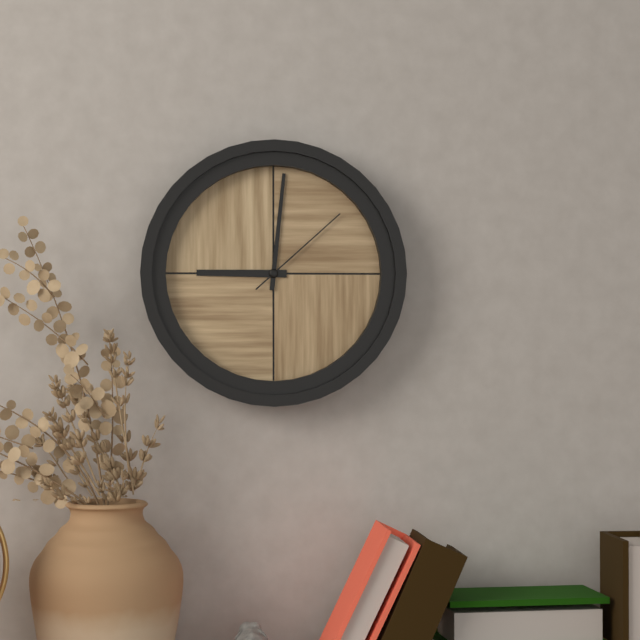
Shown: 9:01:08
